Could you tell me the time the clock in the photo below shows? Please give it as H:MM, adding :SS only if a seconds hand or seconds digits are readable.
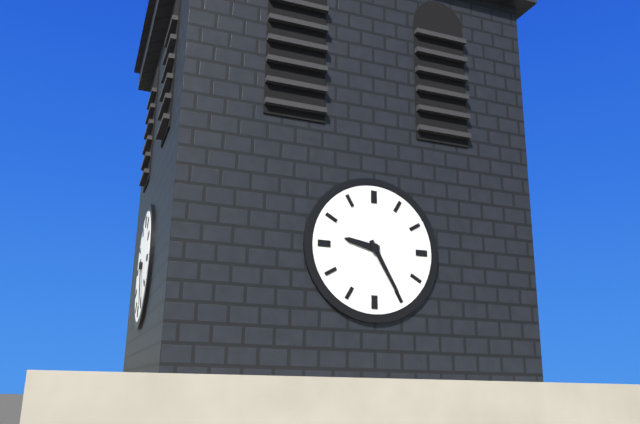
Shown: 9:25
